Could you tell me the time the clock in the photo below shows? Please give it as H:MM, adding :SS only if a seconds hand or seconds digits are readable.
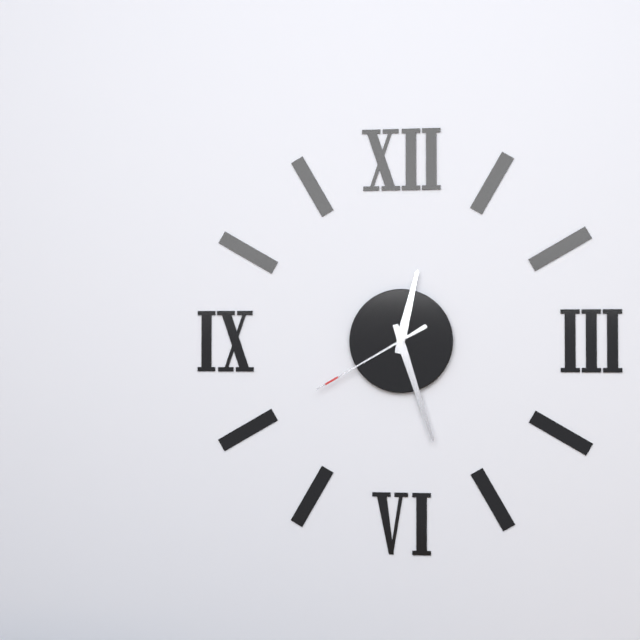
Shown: 12:27:40
